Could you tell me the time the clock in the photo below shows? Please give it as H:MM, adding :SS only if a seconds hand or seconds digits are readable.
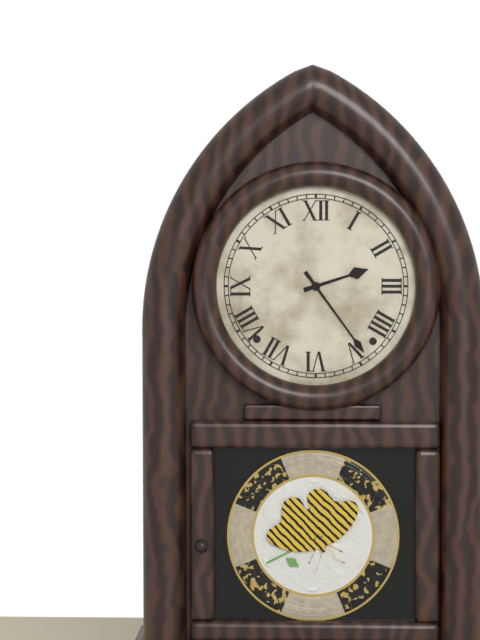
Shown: 2:24
